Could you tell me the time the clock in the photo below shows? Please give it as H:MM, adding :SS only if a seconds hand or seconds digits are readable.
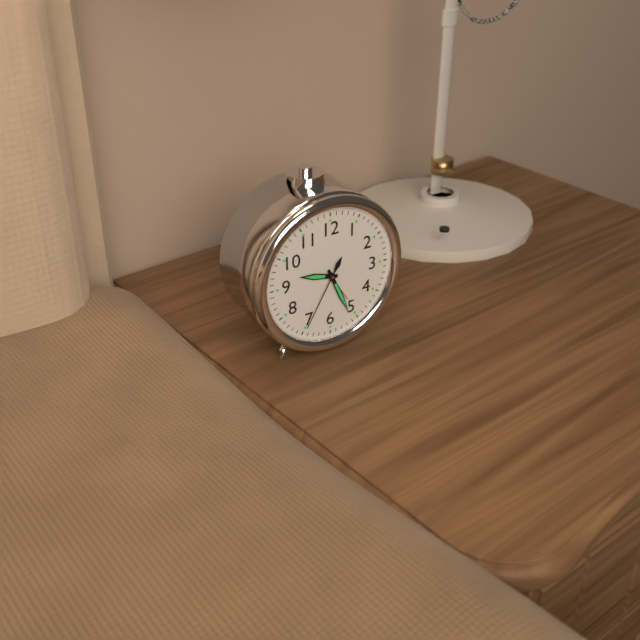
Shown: 9:26:35
